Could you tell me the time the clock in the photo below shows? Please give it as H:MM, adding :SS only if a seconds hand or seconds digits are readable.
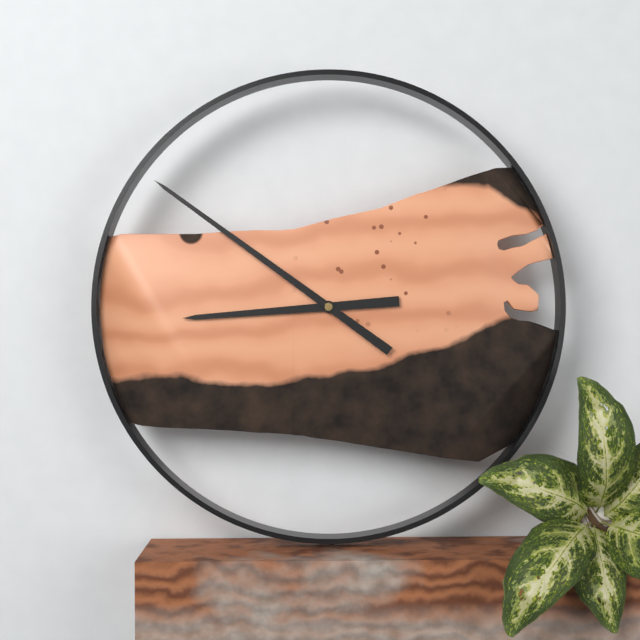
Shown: 8:51
